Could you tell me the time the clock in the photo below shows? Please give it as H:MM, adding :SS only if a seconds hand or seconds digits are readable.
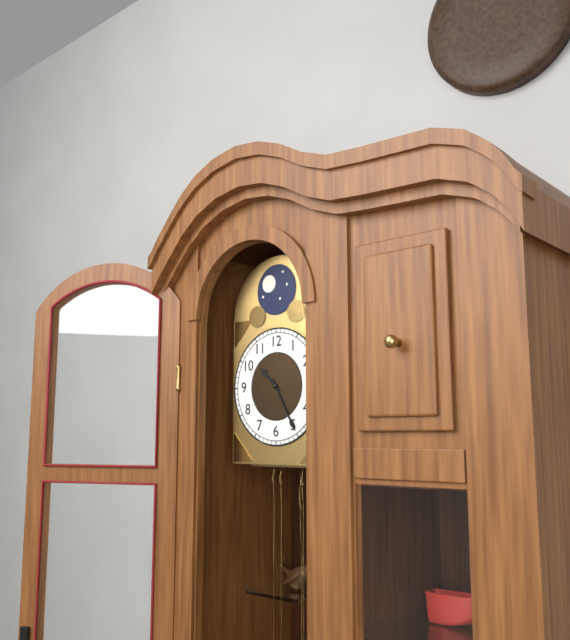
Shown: 10:25
